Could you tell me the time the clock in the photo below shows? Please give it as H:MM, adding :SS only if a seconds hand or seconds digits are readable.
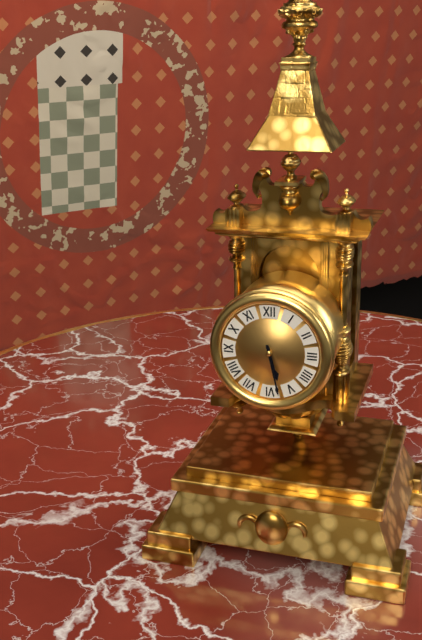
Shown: 5:28
